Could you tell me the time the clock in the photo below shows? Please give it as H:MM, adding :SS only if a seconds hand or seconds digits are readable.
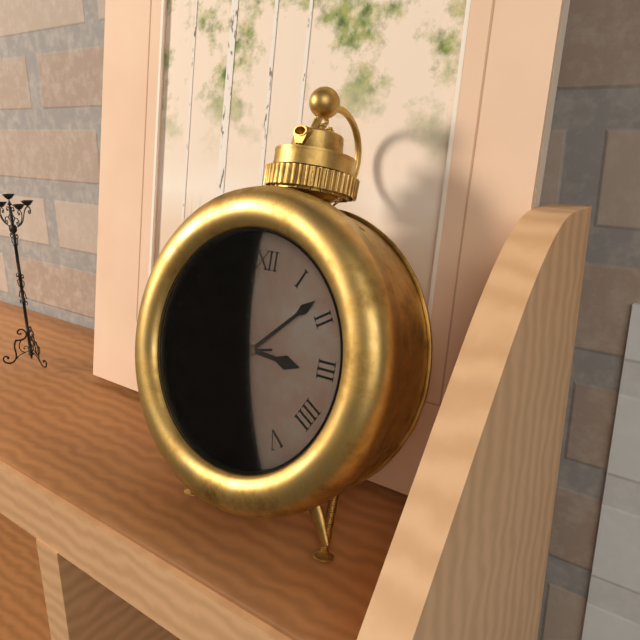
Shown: 3:08:43
